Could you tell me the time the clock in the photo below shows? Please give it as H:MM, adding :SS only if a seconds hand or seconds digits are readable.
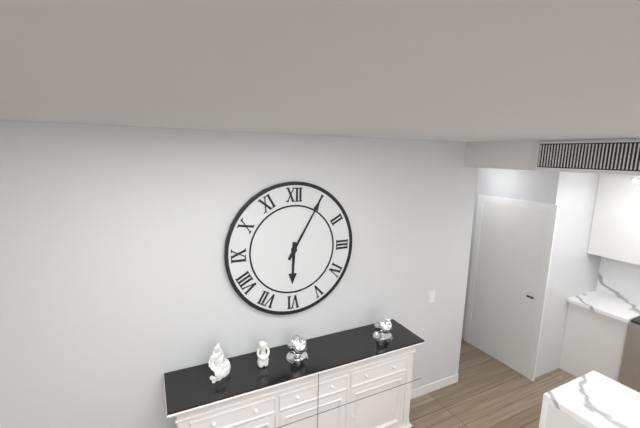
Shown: 6:05
